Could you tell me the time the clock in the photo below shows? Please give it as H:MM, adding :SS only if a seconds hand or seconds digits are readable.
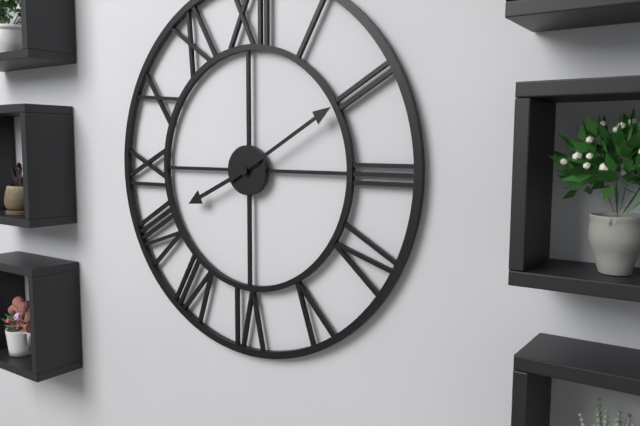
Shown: 8:10
